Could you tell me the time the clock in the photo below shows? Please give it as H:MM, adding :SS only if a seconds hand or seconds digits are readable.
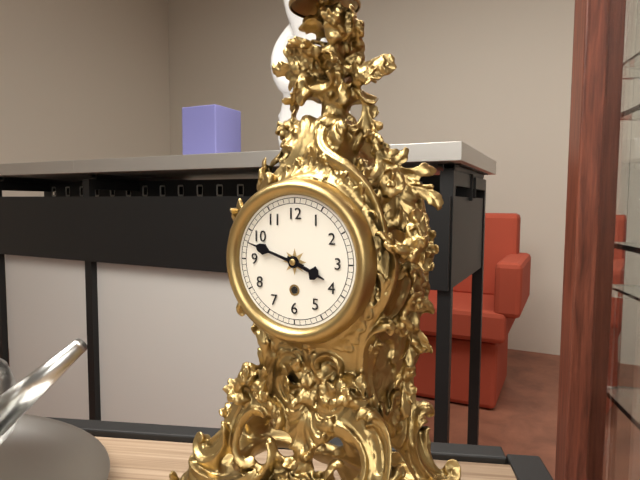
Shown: 3:48
